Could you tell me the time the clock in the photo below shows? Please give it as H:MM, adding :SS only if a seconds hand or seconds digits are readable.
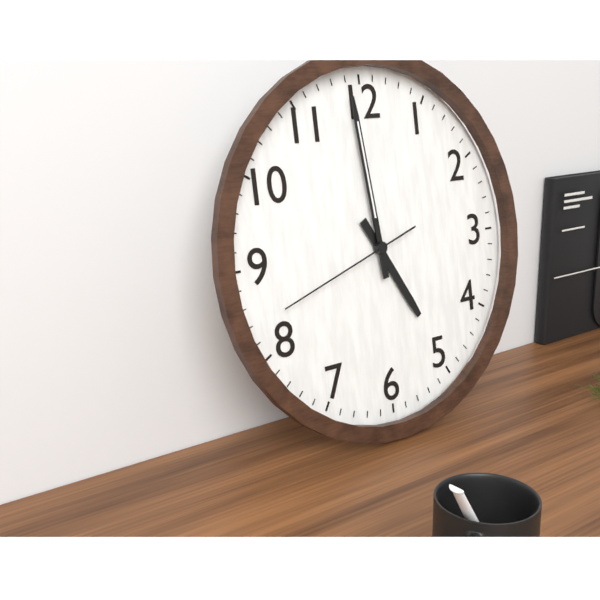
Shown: 4:59:42
